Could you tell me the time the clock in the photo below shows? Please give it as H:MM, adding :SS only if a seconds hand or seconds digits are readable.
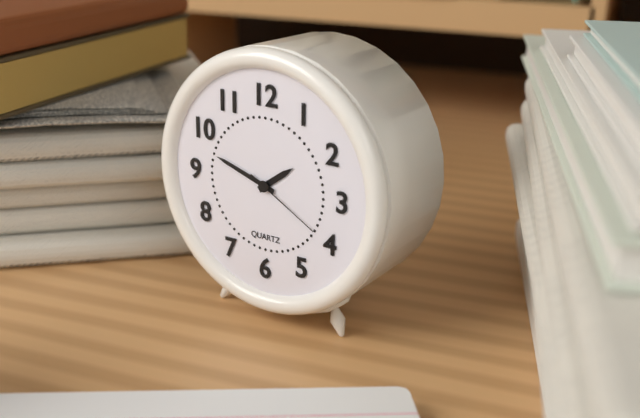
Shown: 1:48:20
